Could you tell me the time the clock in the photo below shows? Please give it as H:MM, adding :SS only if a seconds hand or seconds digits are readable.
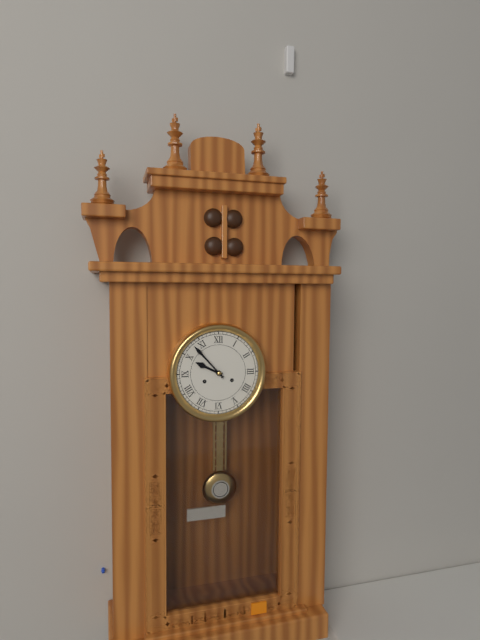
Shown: 9:53
